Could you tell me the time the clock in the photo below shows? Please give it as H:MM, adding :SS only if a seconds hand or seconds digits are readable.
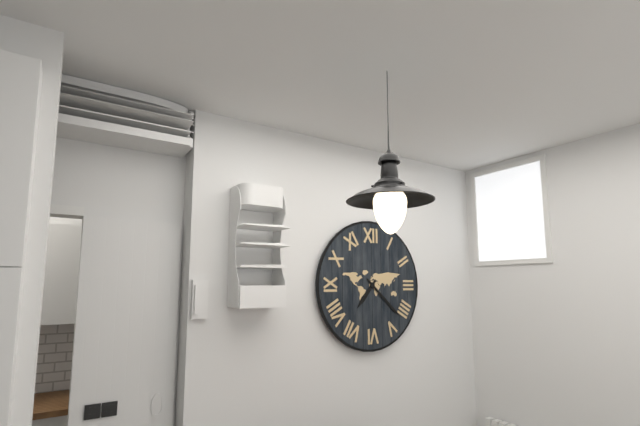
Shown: 7:22
